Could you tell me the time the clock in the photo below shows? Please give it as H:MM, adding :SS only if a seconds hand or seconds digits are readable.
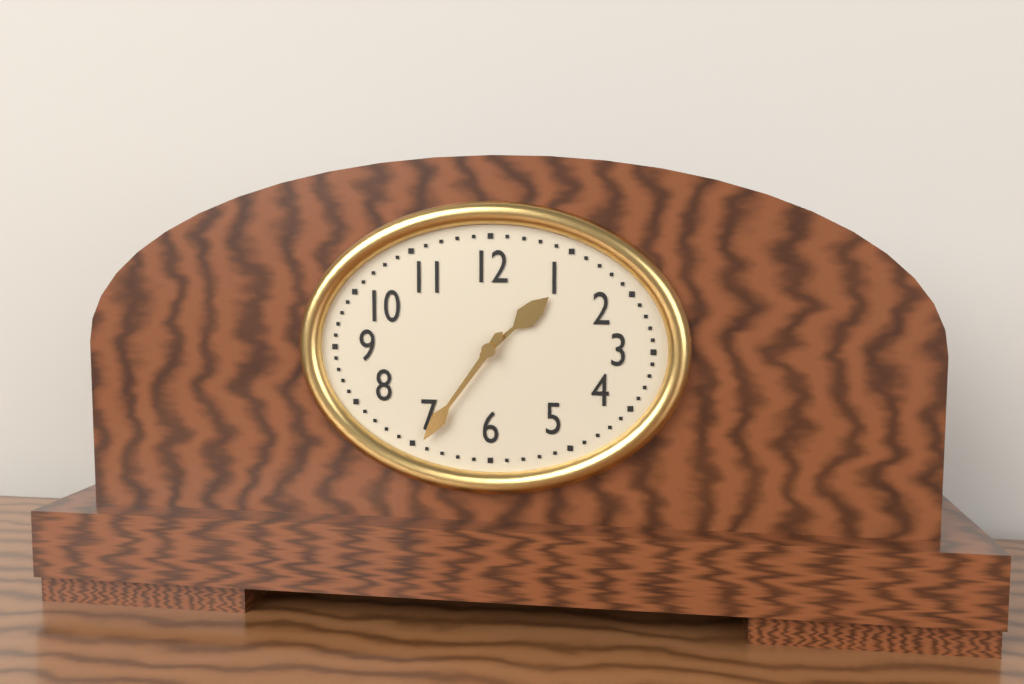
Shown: 1:36
